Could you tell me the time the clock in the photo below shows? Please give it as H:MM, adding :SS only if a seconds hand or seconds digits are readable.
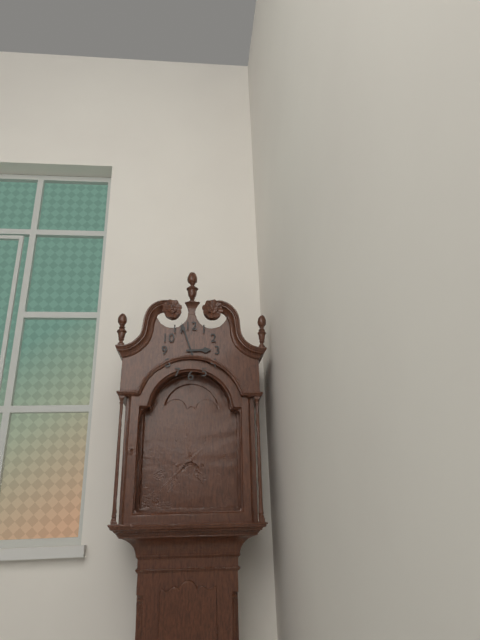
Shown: 2:57
